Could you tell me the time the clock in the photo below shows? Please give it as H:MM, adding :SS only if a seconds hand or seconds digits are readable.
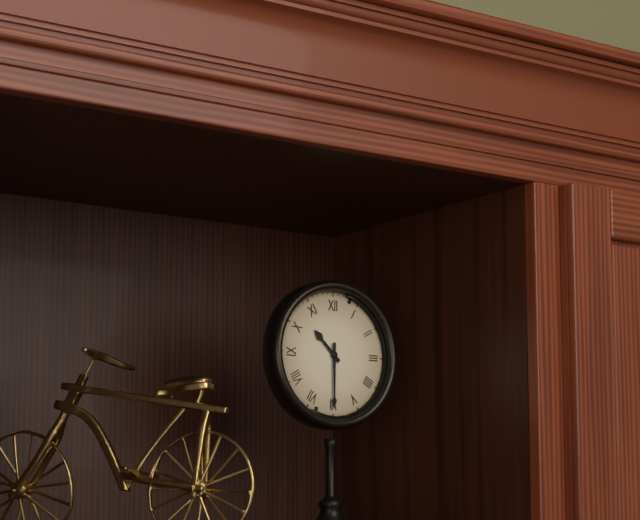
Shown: 10:30
